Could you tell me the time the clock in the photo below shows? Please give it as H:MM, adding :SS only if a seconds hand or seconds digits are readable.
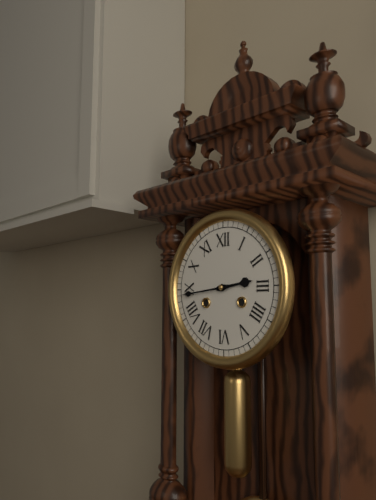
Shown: 2:44
